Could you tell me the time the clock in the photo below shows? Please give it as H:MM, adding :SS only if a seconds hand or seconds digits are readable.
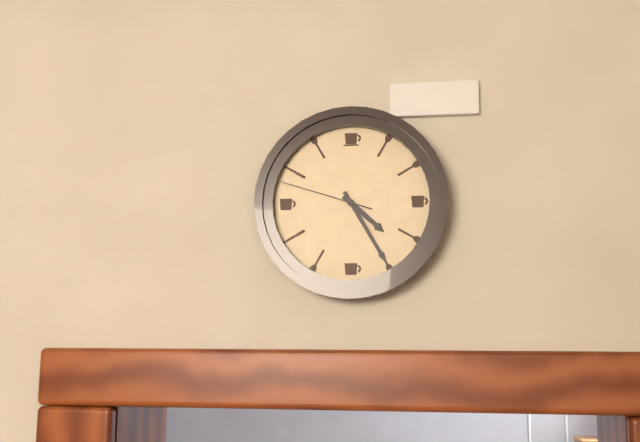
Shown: 4:25:48
